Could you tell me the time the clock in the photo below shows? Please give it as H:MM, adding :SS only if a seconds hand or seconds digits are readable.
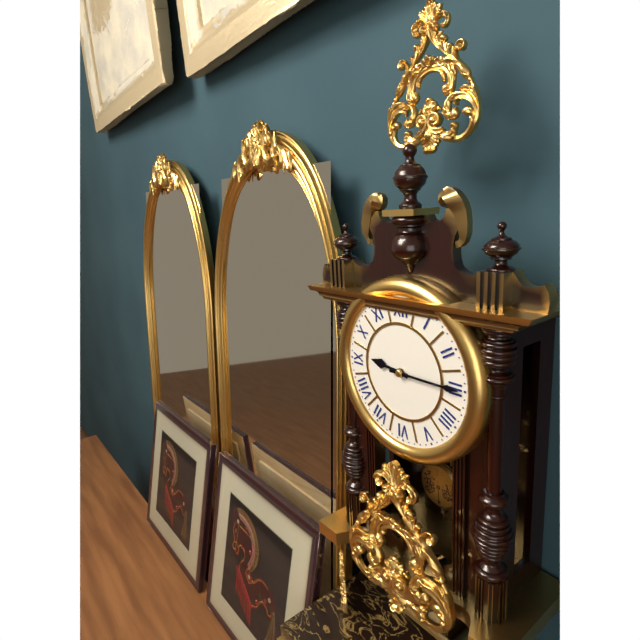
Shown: 9:15
